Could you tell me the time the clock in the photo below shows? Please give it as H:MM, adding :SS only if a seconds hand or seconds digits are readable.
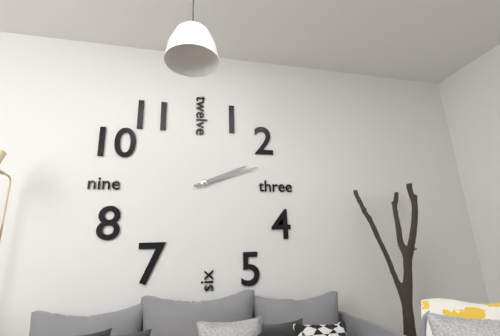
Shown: 2:12
